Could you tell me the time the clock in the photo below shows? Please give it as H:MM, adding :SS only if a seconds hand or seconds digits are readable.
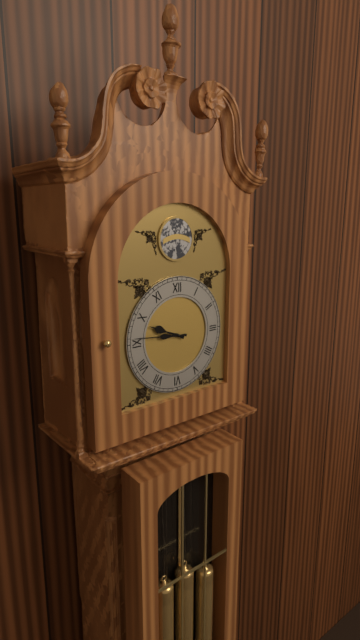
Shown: 9:46
